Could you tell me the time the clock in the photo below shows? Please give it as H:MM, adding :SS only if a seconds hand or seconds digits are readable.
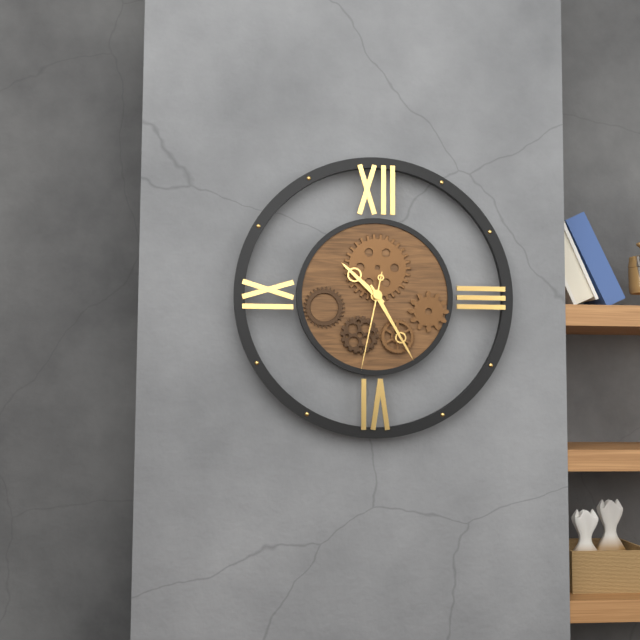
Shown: 10:25:32
